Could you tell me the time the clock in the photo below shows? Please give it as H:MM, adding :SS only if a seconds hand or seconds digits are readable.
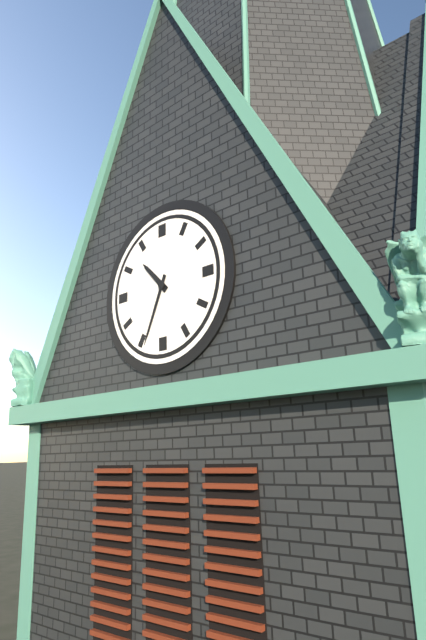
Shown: 10:34
